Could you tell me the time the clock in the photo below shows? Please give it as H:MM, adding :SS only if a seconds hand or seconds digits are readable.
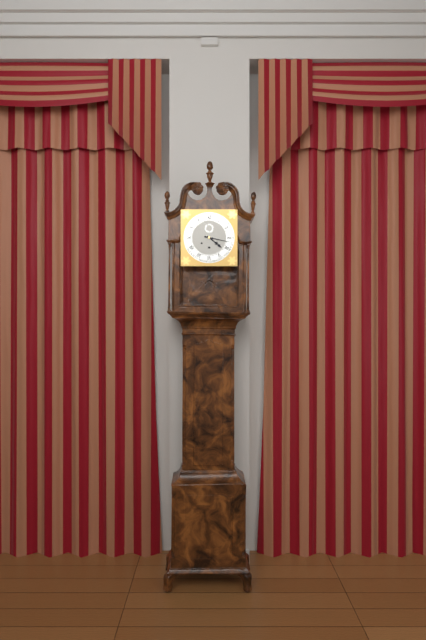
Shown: 4:17
